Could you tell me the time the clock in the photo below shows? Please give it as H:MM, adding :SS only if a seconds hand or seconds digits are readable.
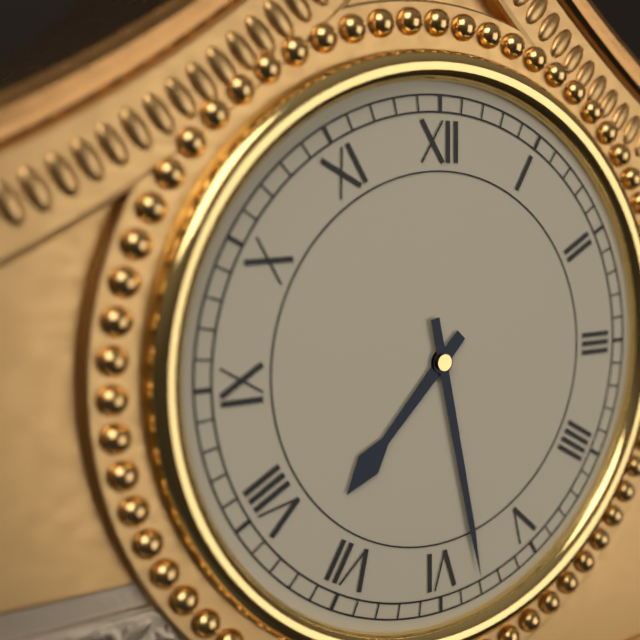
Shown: 7:28
